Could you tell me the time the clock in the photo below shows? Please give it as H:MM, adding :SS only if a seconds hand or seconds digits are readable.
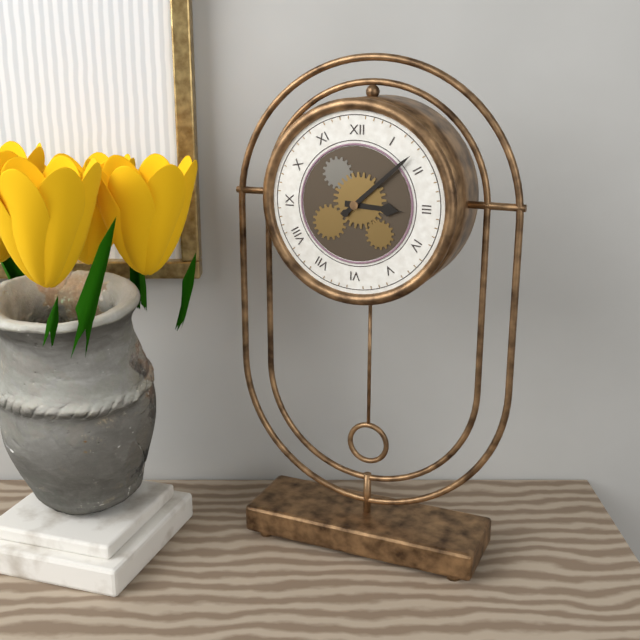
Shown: 3:08
